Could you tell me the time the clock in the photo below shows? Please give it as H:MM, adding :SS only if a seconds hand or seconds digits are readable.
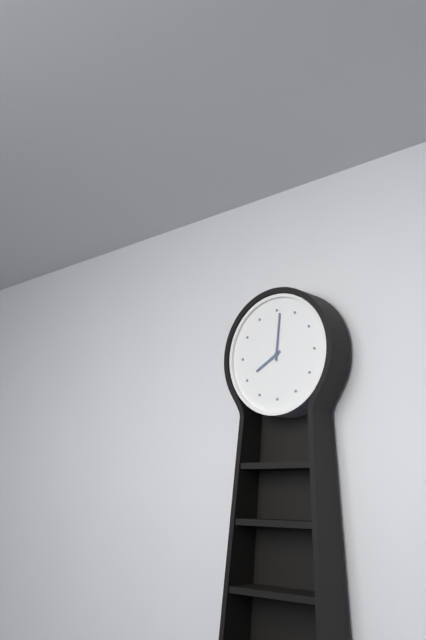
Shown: 8:01
